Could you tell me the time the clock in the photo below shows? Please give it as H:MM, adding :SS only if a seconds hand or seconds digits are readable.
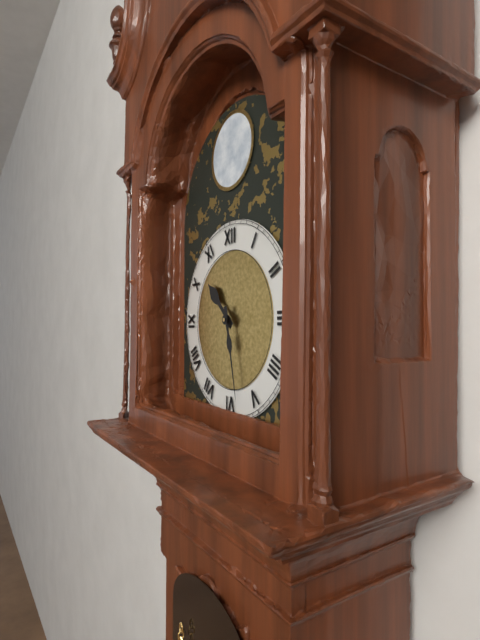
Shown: 10:28
